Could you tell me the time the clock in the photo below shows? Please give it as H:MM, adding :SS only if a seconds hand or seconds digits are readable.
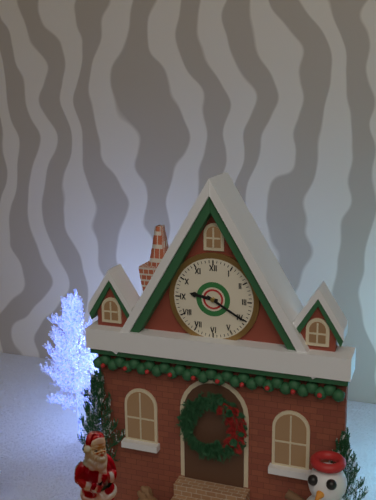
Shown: 9:20
